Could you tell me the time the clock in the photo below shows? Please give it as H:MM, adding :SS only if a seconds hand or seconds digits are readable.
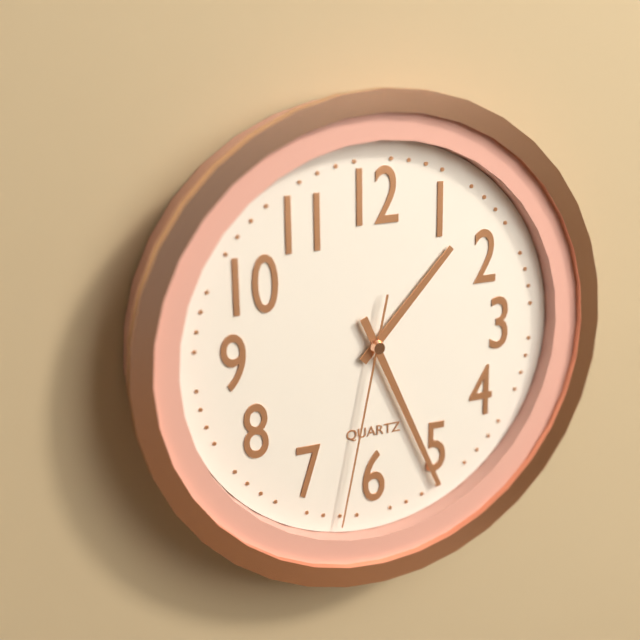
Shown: 1:26:32
